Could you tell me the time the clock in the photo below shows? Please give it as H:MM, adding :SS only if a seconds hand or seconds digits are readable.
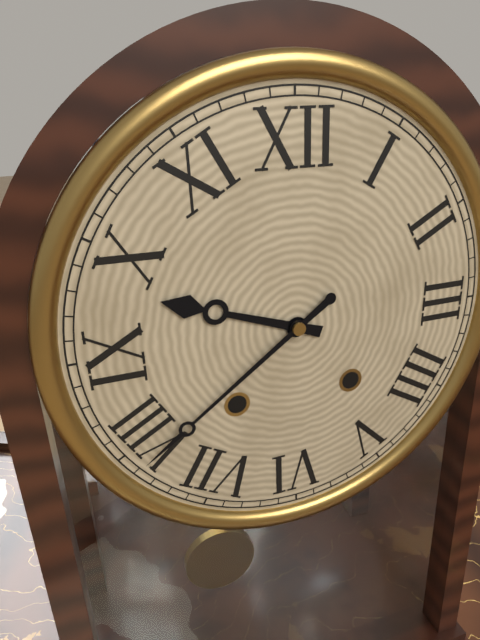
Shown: 9:39
